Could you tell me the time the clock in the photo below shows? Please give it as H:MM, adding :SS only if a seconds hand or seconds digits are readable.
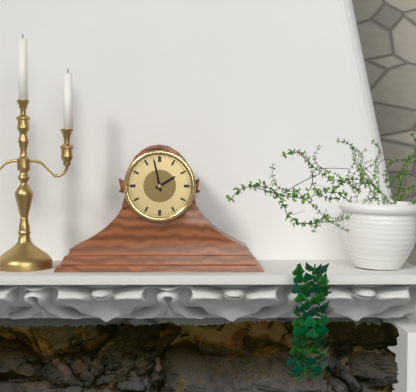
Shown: 1:58
